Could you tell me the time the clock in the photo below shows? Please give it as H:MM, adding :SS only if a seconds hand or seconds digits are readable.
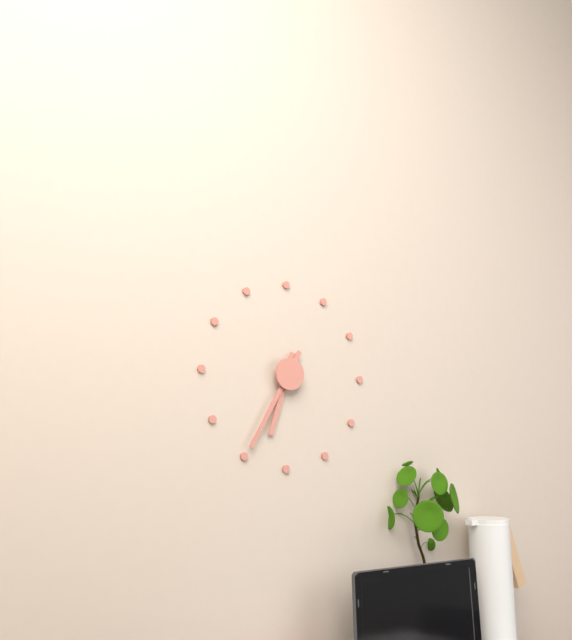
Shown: 6:35
